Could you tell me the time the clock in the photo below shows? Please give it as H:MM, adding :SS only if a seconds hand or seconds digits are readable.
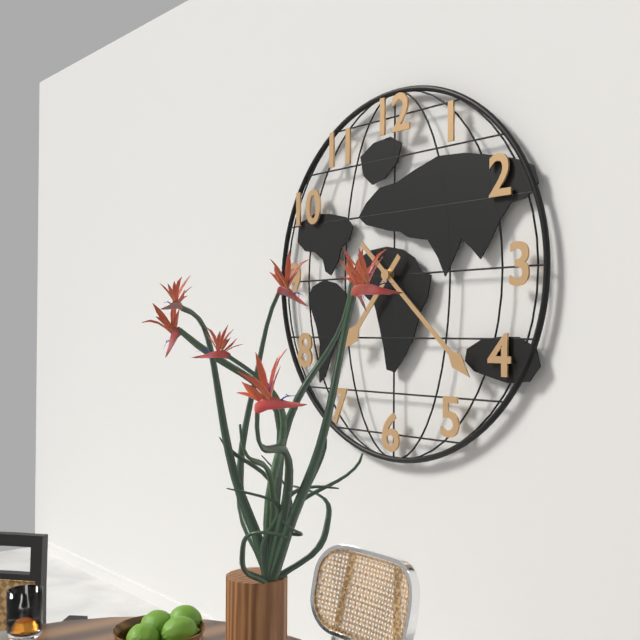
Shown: 7:22
